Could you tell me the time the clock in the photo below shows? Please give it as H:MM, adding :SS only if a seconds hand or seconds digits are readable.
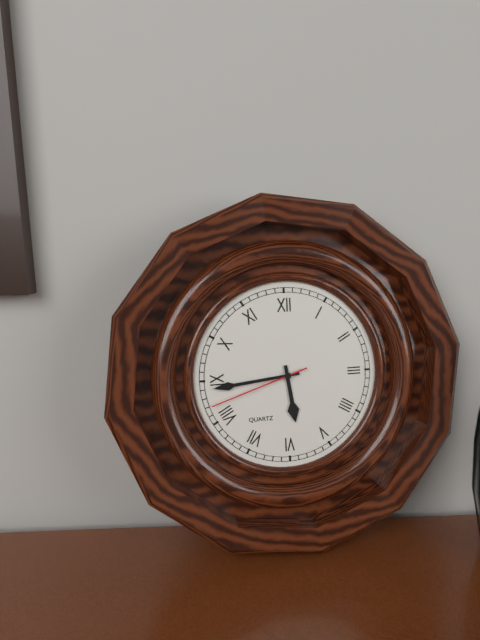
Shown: 5:44:42
